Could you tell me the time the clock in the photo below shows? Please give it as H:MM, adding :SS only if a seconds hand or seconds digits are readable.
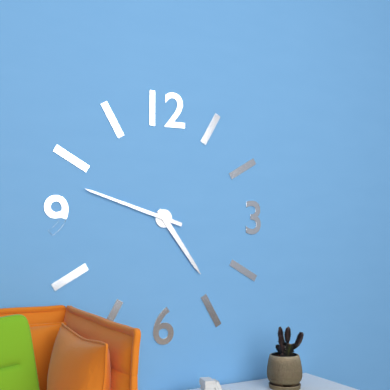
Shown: 4:48
